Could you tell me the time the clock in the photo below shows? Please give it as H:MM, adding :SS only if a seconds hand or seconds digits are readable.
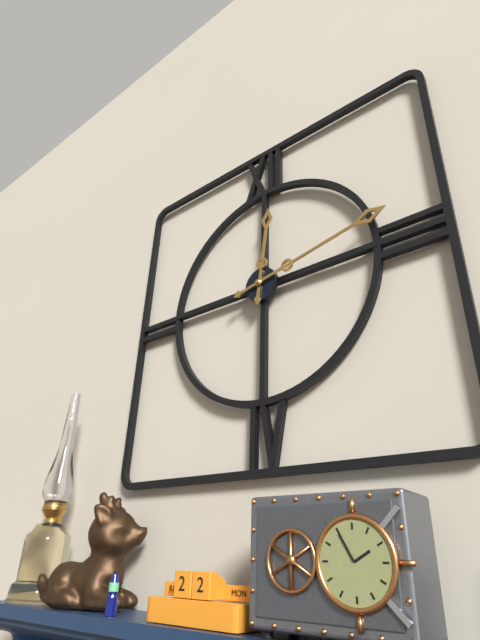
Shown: 12:13
